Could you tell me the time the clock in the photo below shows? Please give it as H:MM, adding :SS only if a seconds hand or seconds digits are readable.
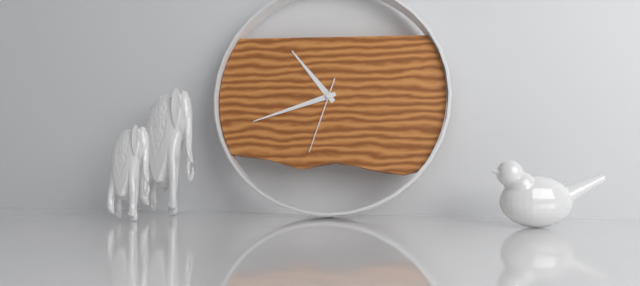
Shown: 10:42:33
